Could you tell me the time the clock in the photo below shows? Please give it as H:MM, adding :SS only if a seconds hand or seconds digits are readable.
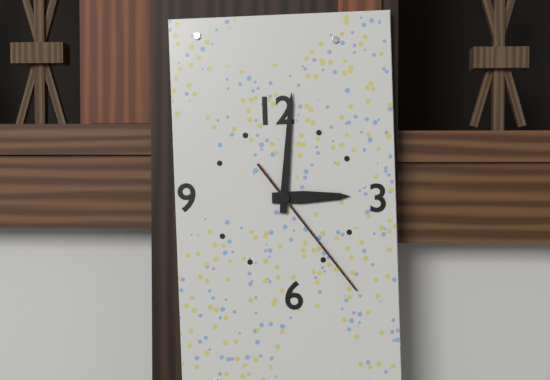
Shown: 3:01:24
